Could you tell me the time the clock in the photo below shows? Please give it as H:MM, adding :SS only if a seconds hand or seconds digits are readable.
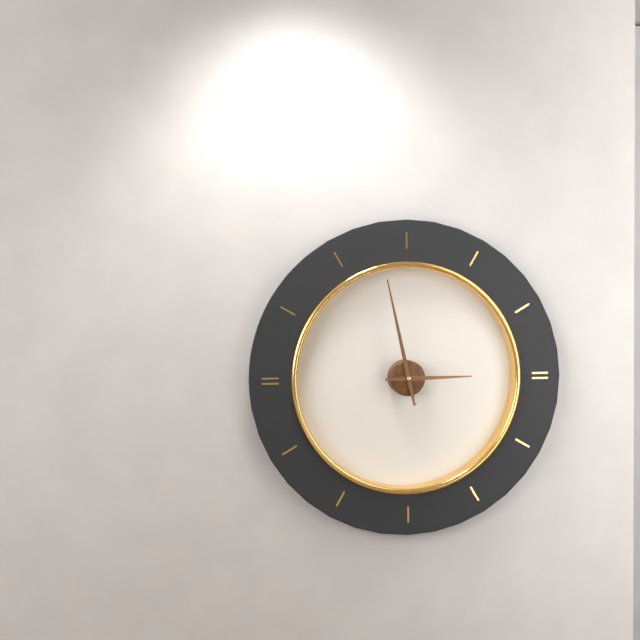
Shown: 2:58
